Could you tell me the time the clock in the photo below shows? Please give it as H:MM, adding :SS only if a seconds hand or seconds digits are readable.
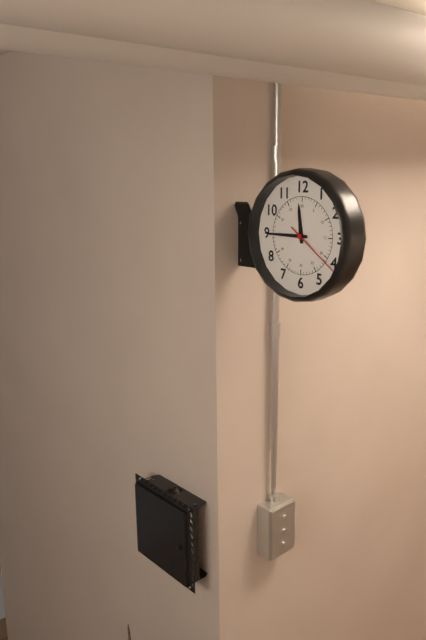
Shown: 11:45:21
